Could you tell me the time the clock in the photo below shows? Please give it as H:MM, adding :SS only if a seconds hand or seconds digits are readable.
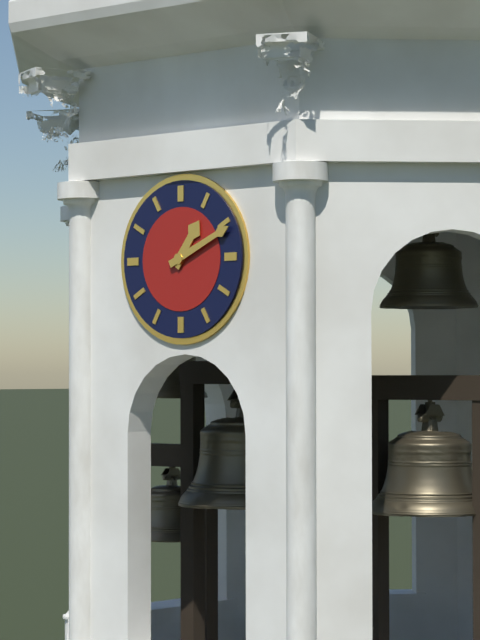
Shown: 1:11
